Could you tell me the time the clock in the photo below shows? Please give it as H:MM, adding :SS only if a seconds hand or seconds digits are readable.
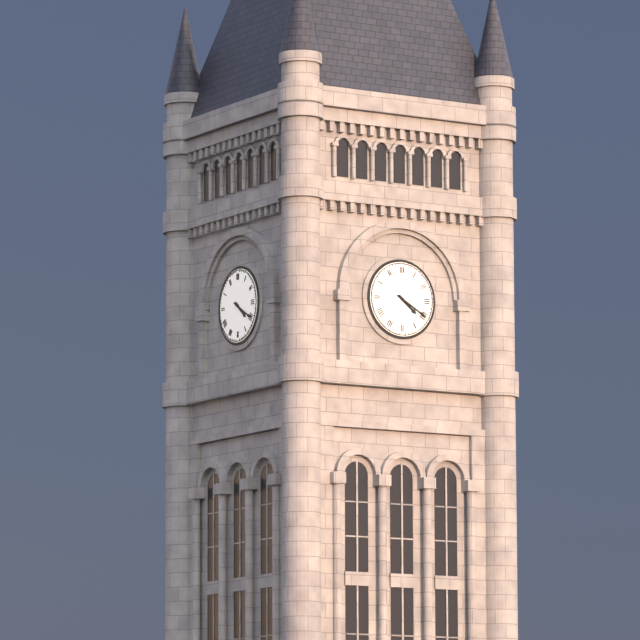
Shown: 4:20
